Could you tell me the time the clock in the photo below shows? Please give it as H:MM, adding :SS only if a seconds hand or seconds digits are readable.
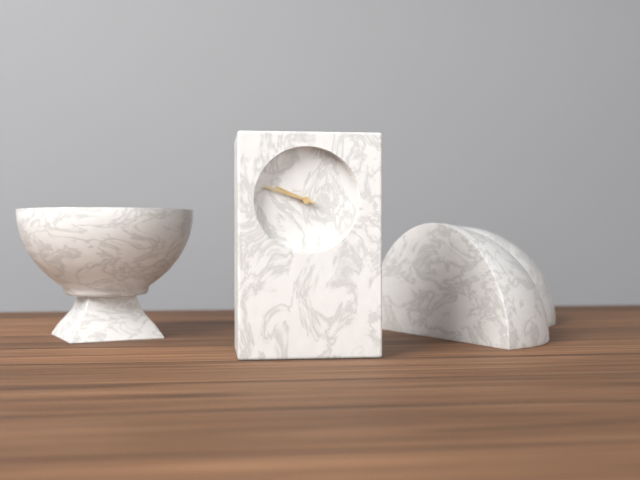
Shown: 9:48
